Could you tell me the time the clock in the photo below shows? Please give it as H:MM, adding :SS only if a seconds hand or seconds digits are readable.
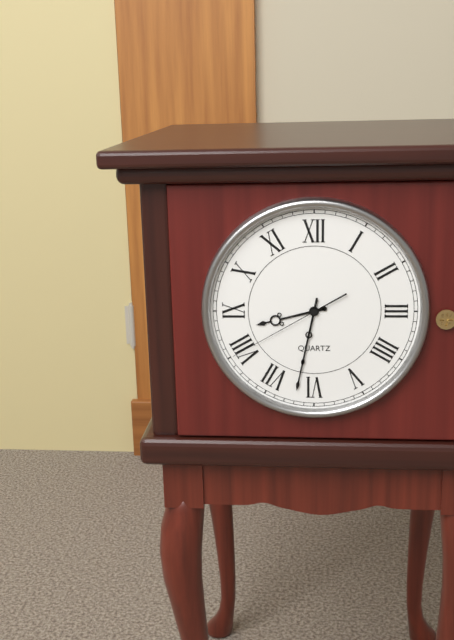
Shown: 8:32:40
